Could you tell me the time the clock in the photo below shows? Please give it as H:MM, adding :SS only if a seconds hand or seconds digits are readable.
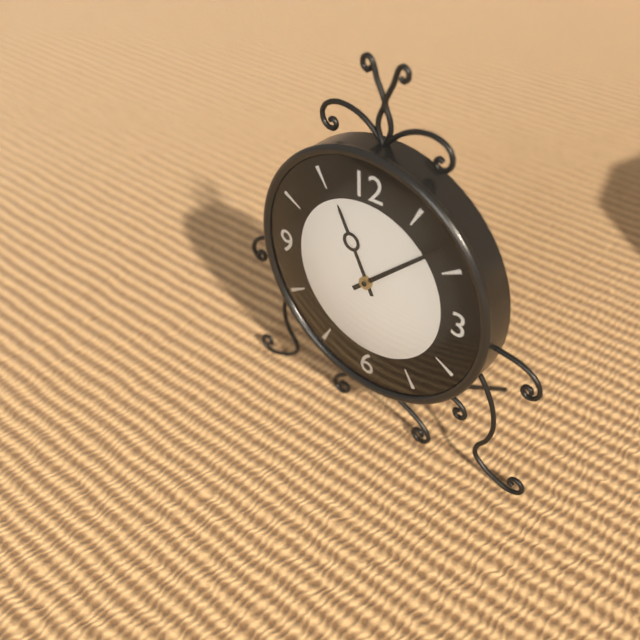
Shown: 11:08
